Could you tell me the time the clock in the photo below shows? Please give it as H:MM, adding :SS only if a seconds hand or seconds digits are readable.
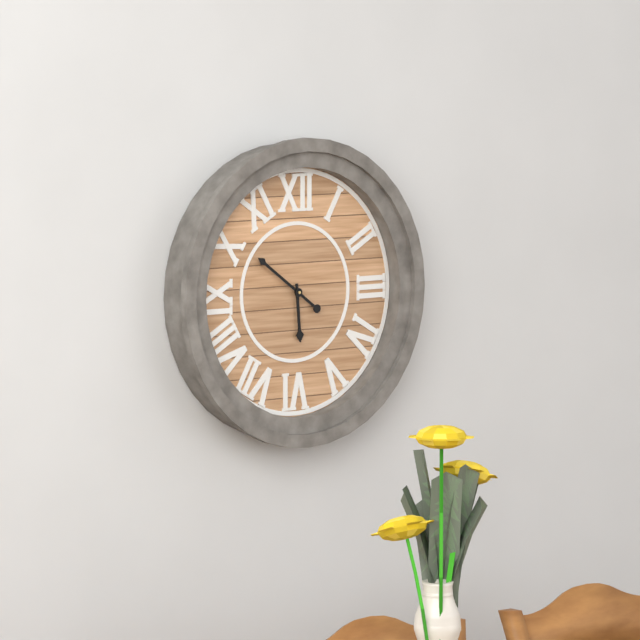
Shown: 5:51
